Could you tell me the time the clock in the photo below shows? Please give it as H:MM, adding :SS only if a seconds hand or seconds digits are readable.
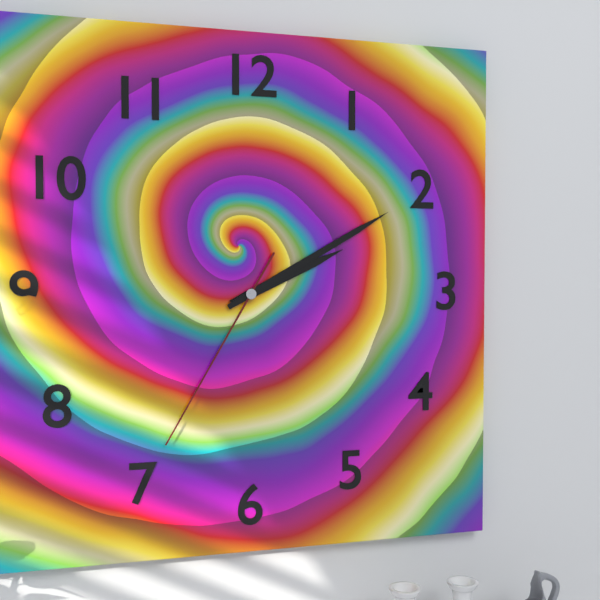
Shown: 2:10:35
